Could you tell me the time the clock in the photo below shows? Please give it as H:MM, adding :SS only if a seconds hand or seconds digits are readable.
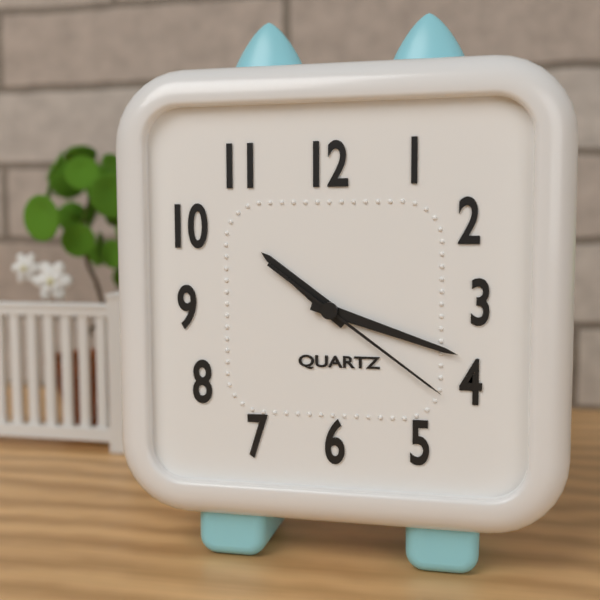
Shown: 10:18:21
